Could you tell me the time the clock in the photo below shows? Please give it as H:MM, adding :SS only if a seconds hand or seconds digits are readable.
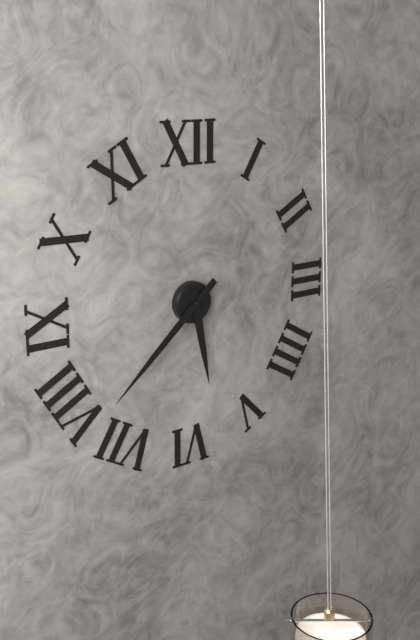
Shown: 5:38
